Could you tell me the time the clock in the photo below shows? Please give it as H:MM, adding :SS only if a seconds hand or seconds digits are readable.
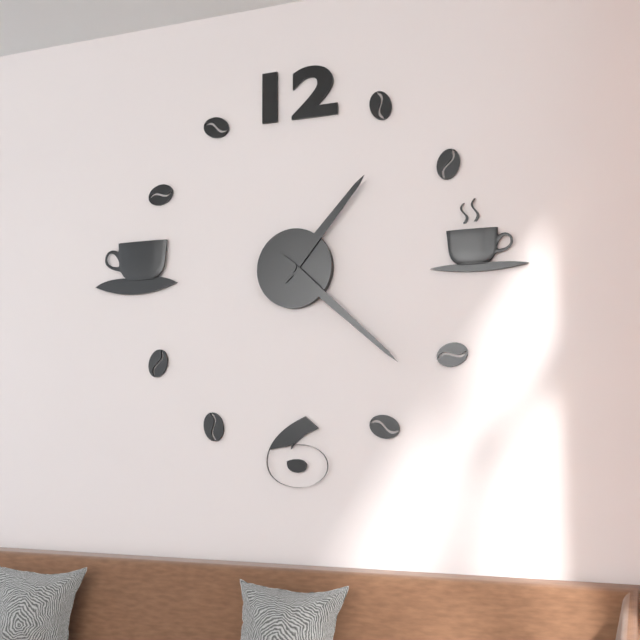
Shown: 1:22
